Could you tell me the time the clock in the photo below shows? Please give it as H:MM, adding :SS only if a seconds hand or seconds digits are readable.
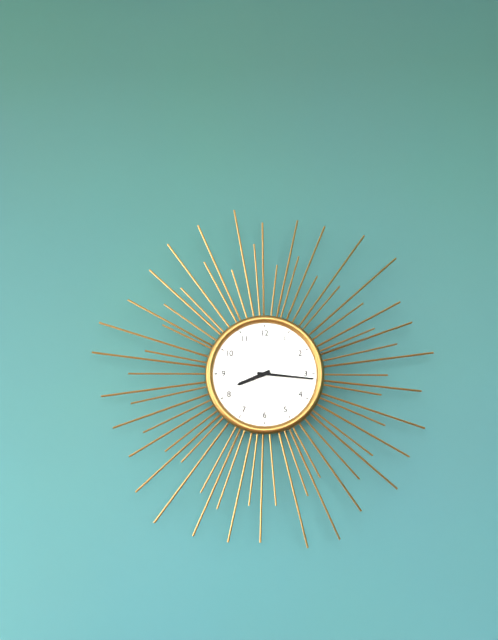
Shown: 8:16
